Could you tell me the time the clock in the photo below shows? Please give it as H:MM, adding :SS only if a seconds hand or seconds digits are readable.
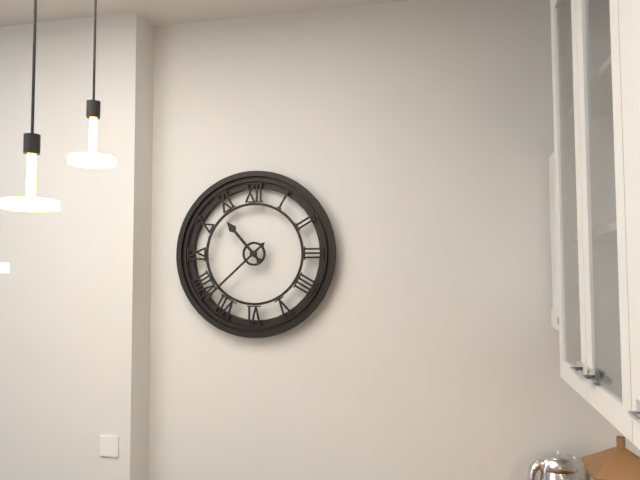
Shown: 10:38
